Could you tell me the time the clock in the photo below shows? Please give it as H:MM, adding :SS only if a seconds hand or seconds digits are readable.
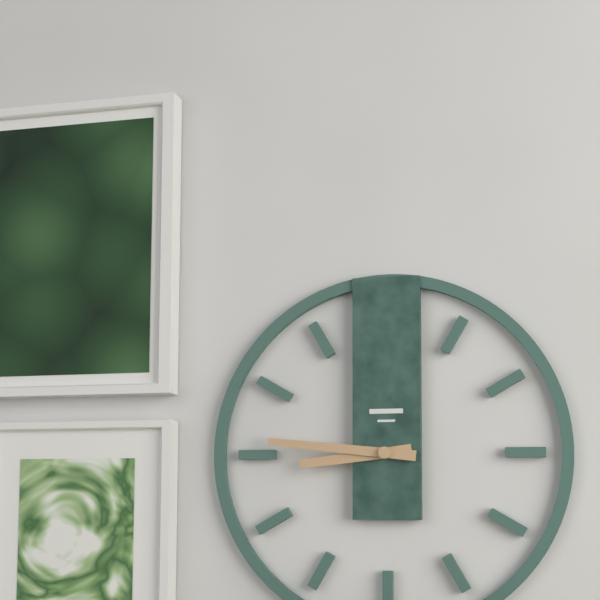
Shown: 8:46
